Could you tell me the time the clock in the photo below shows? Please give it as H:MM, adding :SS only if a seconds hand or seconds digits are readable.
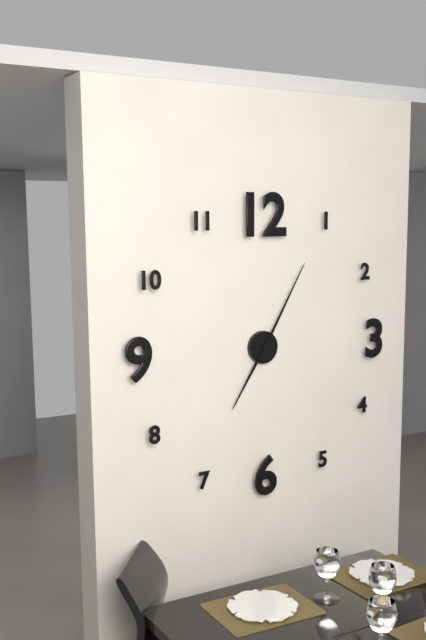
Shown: 7:05
